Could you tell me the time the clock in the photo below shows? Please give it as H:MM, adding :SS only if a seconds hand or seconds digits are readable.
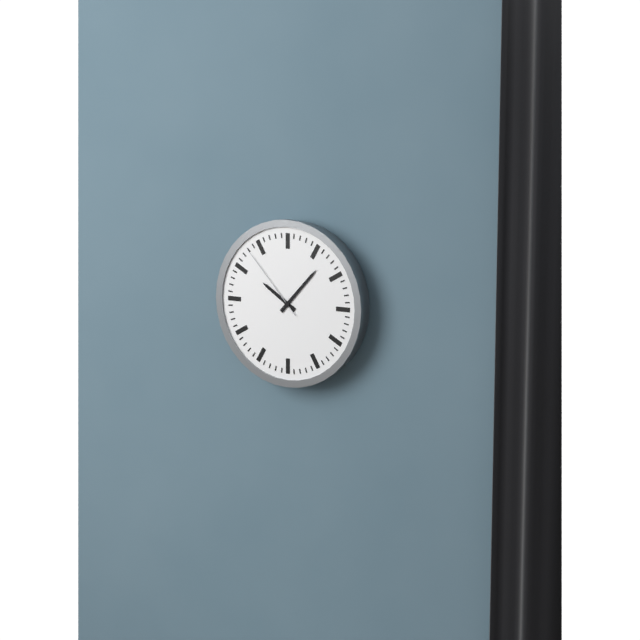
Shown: 10:07:53
